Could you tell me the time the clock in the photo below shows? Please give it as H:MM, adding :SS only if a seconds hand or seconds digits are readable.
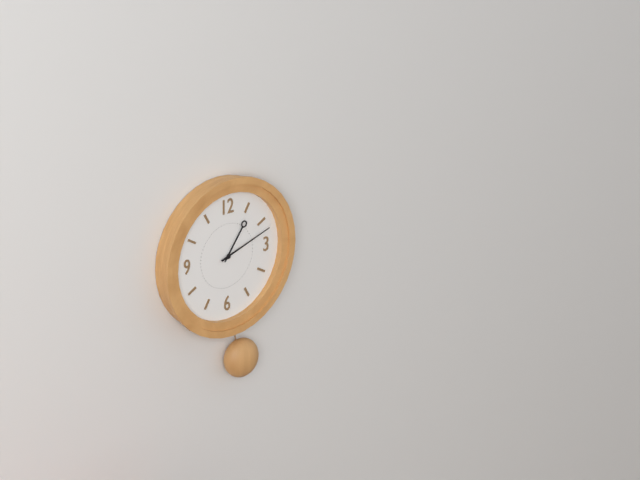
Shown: 1:12
